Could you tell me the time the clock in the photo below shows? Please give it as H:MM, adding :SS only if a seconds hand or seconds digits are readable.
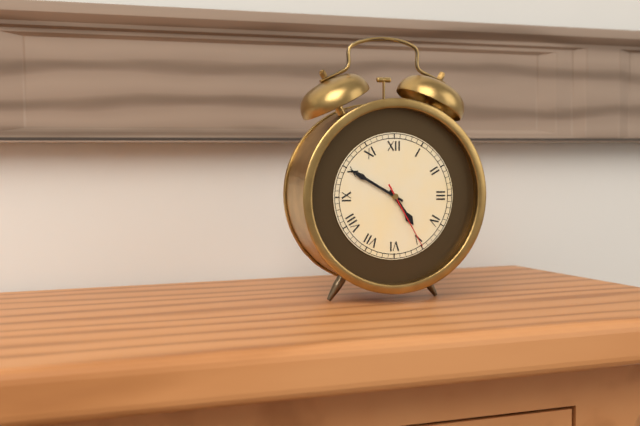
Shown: 4:50:25
